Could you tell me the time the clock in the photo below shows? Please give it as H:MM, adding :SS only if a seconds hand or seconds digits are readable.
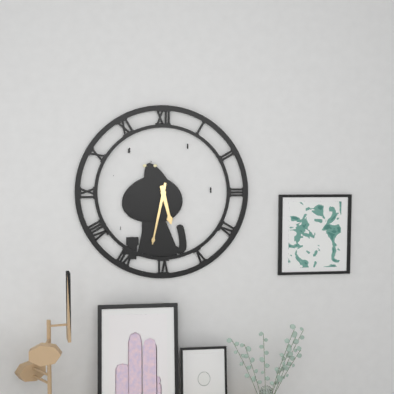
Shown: 5:32
